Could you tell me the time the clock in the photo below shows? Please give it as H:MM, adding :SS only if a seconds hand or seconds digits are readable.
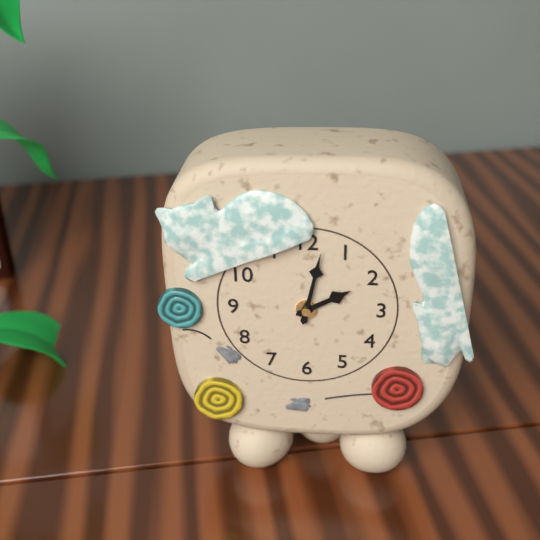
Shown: 2:02
